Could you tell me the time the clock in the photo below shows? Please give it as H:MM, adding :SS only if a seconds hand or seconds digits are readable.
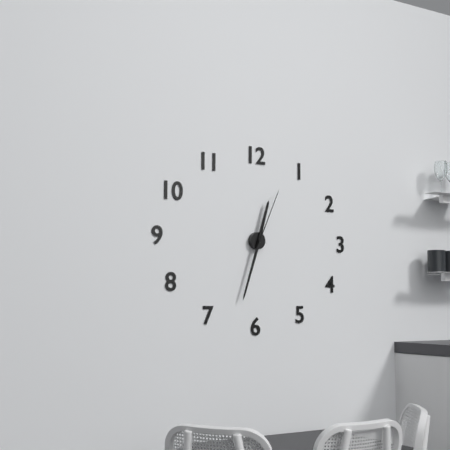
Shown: 12:33:04
